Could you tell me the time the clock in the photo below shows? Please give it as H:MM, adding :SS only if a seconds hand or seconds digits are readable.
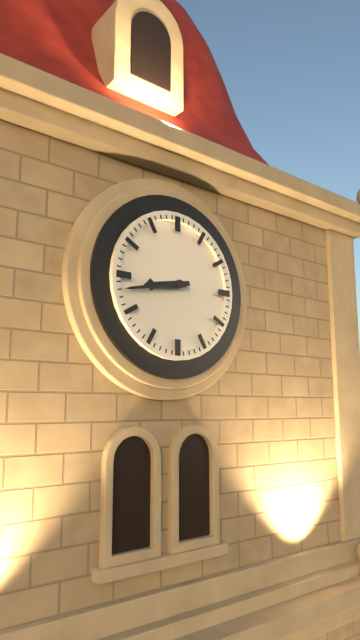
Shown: 8:43
